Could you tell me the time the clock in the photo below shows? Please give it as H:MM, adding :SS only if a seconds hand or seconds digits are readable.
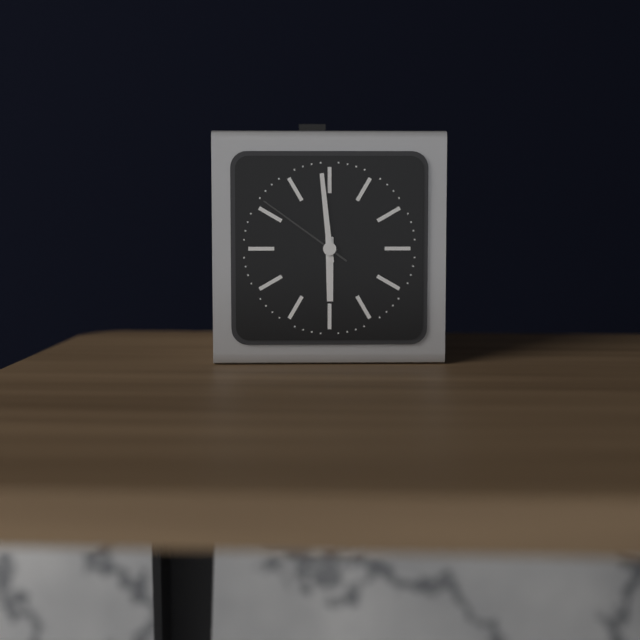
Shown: 5:59:51
